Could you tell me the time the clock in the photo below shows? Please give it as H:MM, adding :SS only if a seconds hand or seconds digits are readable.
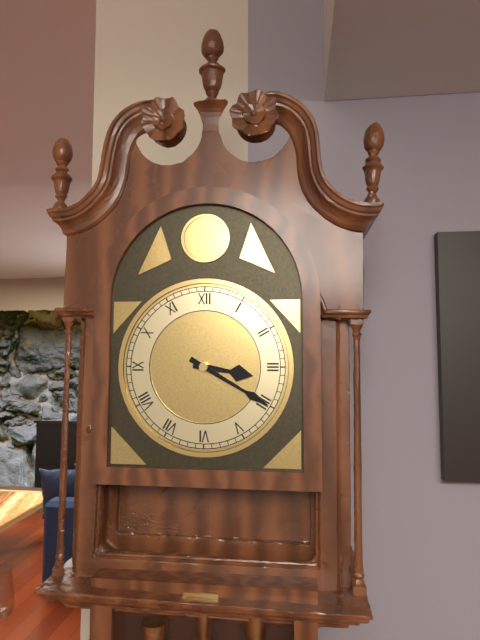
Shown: 3:20
